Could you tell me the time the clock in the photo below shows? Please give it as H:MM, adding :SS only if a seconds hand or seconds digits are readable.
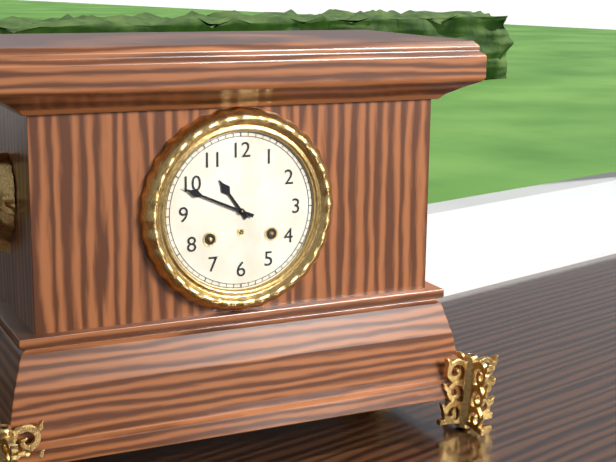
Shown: 10:49
